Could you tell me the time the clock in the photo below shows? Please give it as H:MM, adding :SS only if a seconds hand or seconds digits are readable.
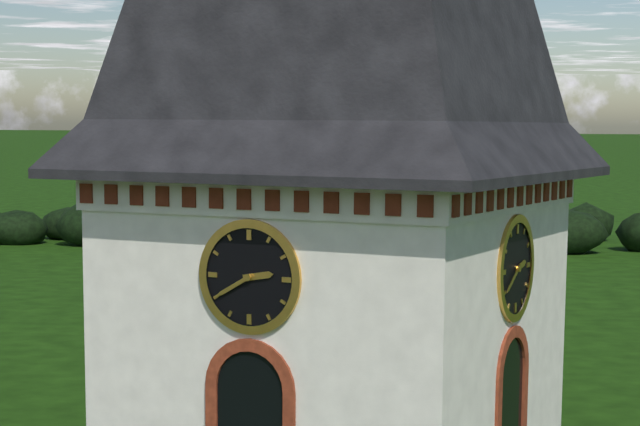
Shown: 2:40
